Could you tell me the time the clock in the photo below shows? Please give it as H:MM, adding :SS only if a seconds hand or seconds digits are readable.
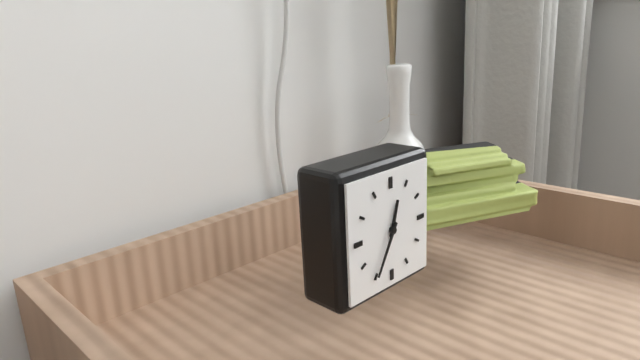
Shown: 12:35
